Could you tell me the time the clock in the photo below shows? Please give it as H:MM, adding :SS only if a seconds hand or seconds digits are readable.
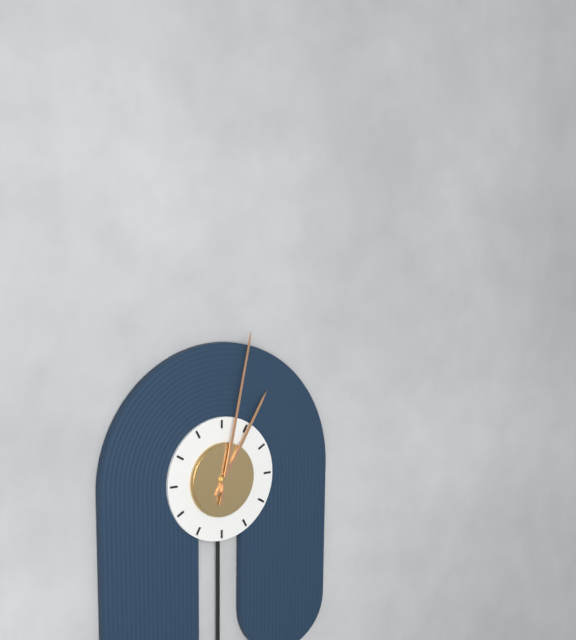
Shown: 1:02
